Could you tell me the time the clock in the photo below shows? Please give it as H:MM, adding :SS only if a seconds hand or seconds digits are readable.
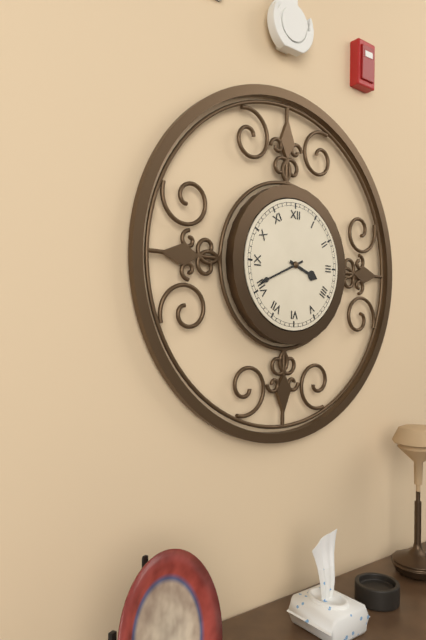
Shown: 3:41
